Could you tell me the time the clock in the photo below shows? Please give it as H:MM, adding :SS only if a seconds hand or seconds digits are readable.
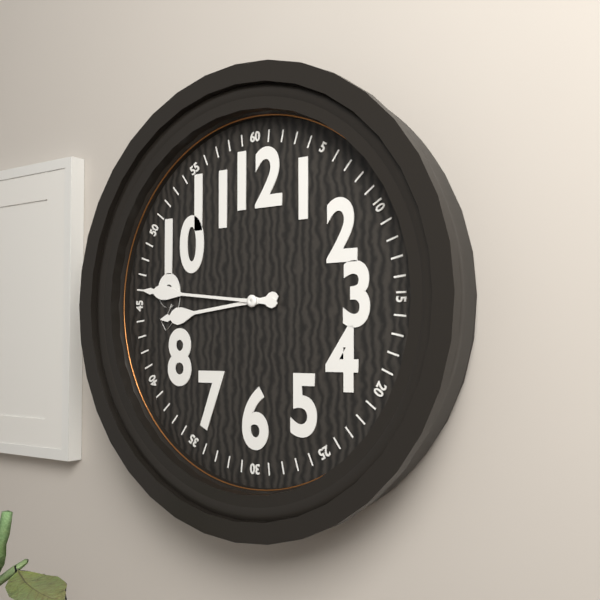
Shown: 8:46
